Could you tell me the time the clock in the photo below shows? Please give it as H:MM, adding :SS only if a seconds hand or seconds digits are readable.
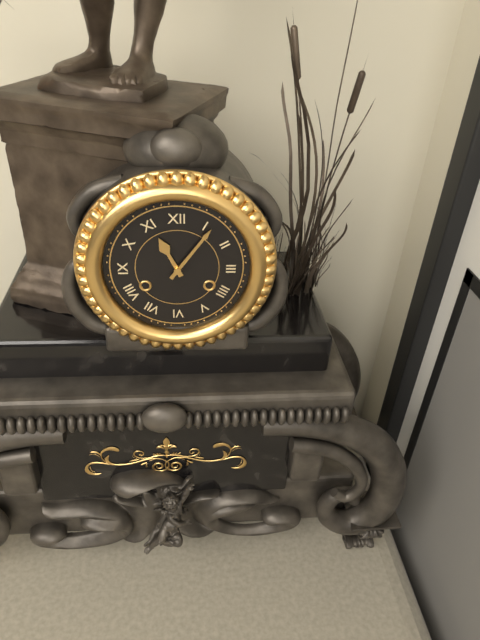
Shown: 11:06
